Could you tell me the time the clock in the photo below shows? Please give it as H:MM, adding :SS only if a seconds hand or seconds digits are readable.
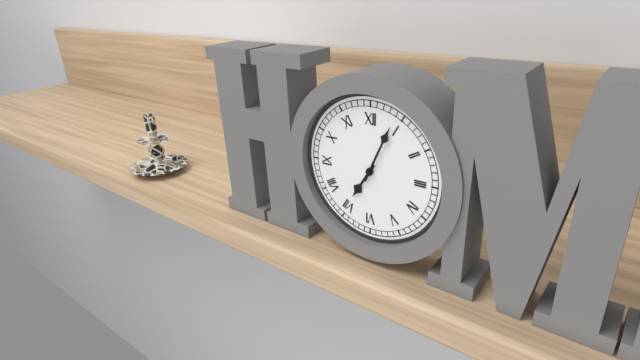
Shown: 7:04
